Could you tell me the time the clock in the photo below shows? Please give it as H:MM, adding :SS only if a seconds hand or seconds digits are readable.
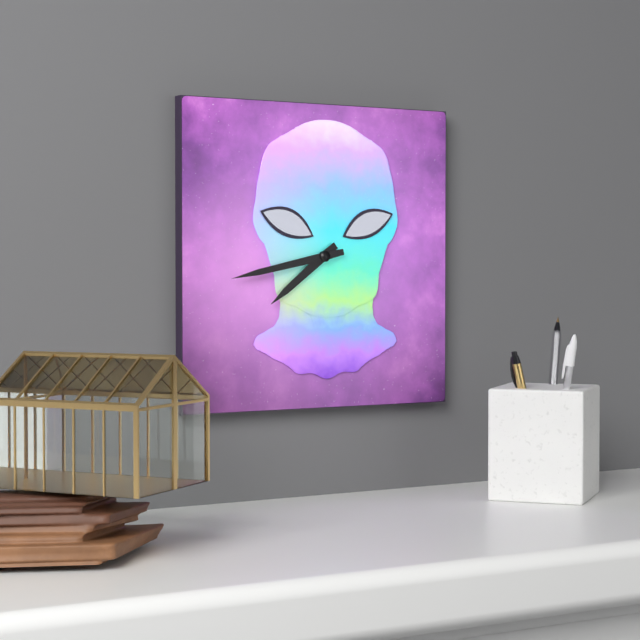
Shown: 7:43
